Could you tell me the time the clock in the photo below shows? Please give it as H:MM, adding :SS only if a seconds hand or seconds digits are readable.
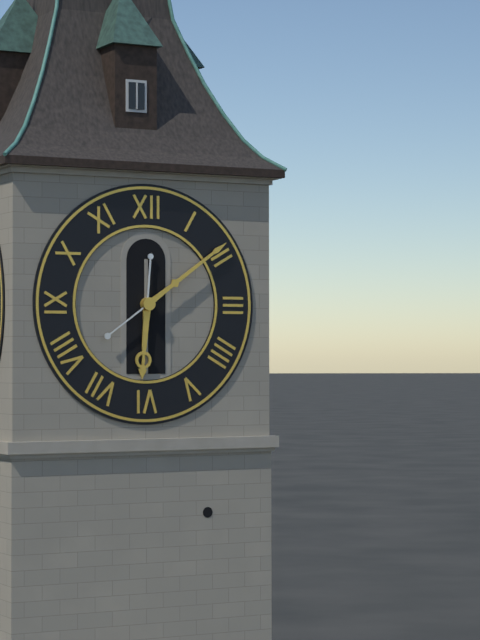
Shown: 6:09
